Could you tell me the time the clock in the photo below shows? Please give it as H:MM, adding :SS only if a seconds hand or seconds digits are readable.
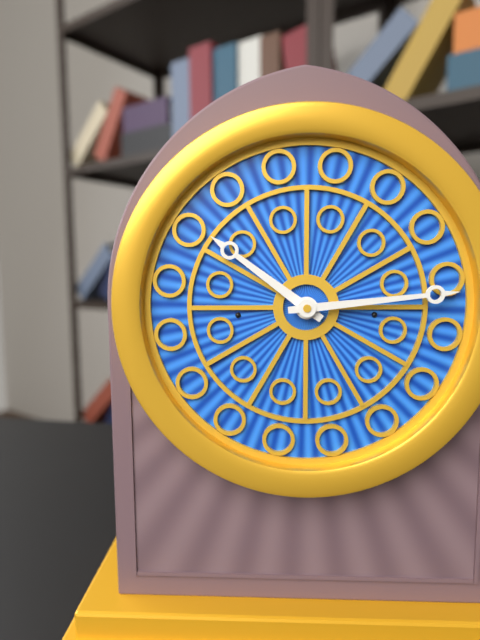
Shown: 10:14
